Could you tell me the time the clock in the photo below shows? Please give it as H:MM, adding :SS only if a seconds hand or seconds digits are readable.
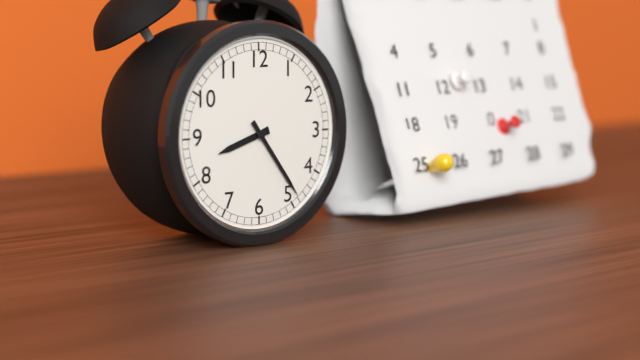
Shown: 8:24
